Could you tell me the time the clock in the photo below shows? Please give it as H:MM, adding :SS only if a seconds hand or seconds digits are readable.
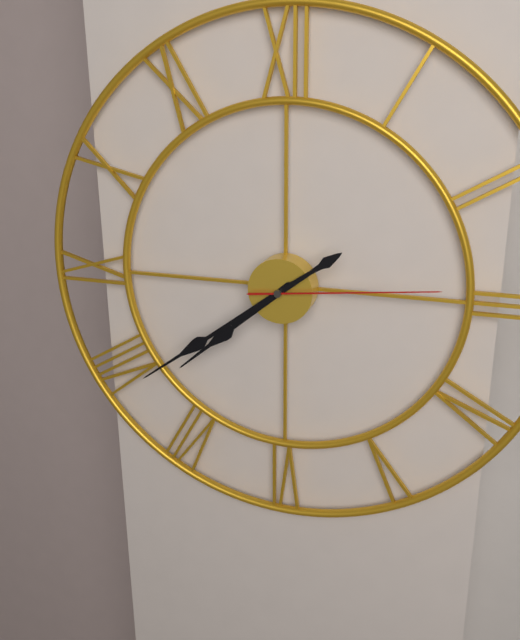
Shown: 7:39:14
